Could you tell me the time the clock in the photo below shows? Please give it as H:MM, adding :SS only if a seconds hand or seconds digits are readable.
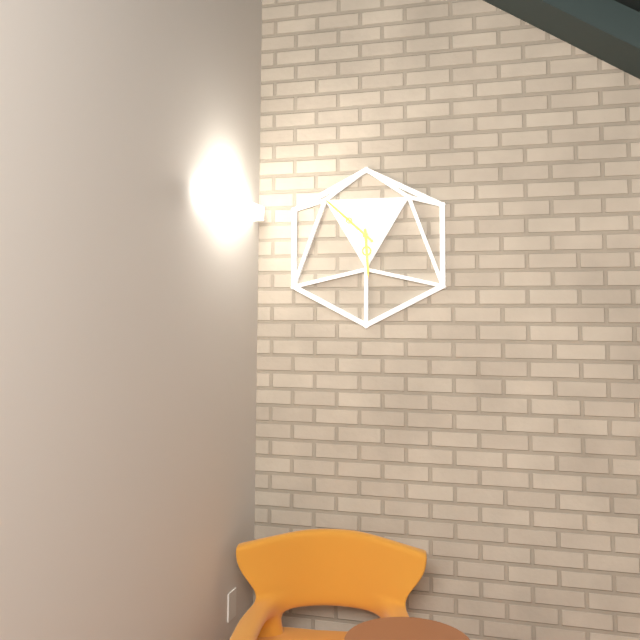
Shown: 5:52
